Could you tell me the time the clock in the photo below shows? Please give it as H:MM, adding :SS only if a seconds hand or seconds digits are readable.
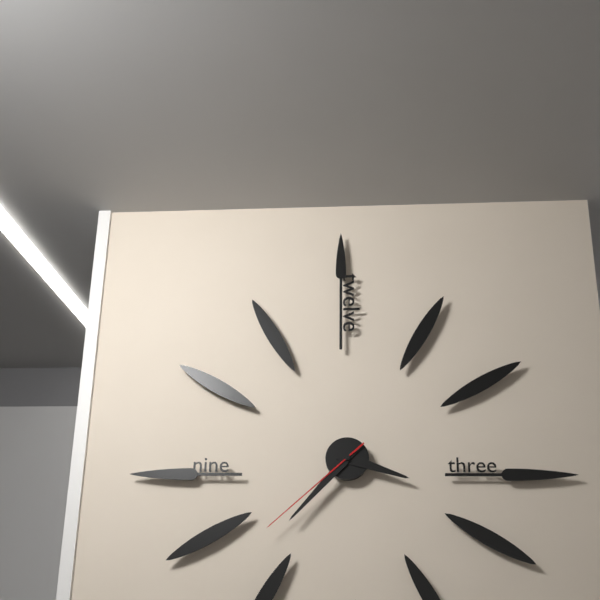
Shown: 3:37:38
